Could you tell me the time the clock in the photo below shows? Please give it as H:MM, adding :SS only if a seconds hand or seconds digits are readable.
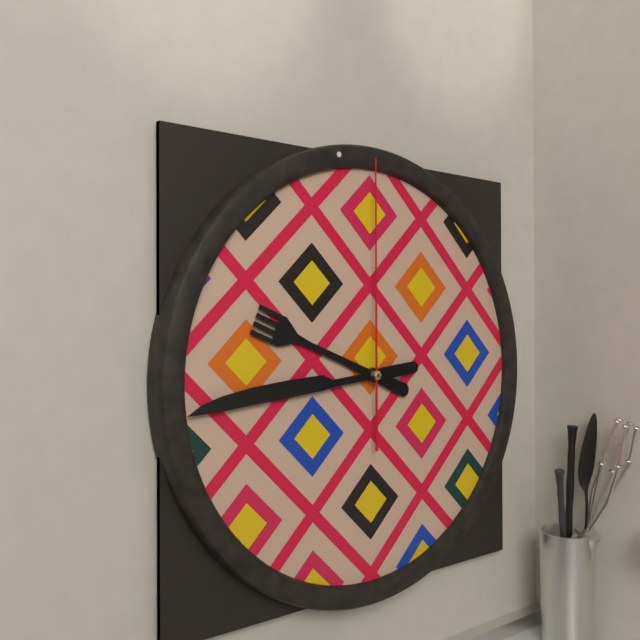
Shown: 9:44:00
